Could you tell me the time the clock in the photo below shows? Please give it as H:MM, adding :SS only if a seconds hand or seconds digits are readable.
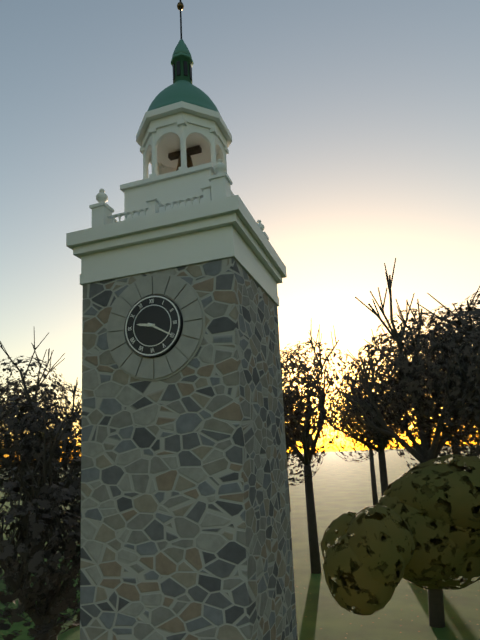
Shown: 9:20
